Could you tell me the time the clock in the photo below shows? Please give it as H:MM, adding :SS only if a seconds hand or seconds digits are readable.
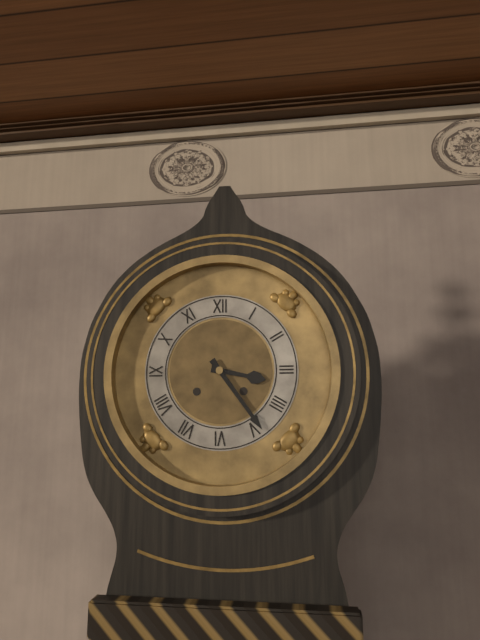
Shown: 3:24
